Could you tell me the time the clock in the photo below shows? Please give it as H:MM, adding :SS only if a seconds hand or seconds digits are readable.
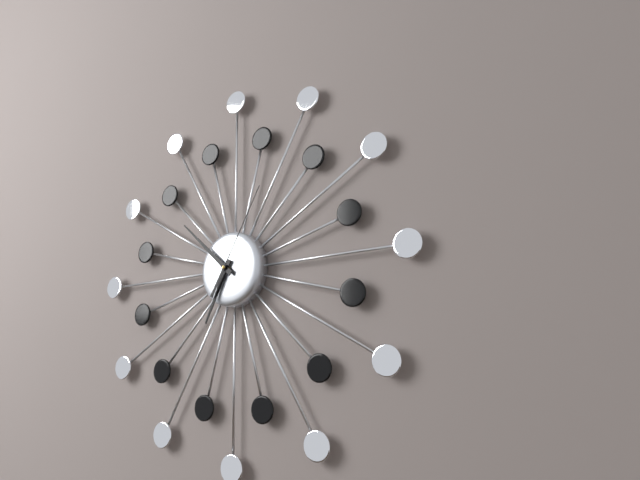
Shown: 6:52:05
